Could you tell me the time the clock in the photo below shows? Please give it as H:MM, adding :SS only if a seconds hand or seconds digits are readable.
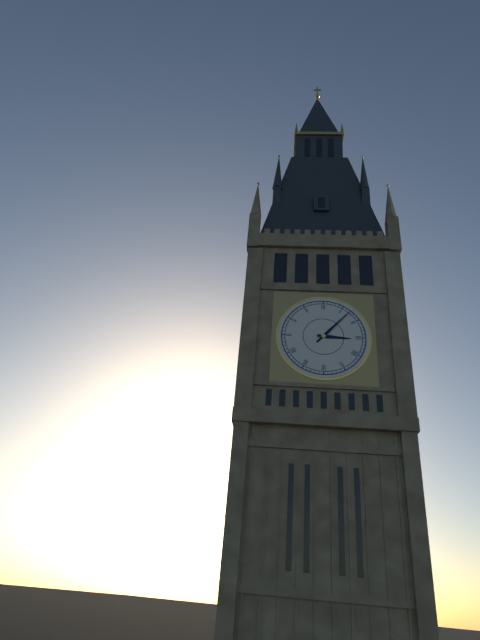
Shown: 3:07
